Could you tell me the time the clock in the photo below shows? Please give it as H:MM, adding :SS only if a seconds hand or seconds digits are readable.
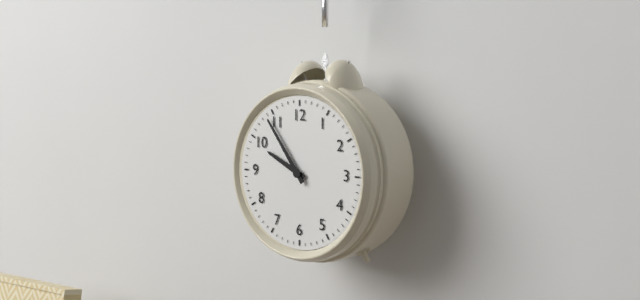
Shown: 9:54
